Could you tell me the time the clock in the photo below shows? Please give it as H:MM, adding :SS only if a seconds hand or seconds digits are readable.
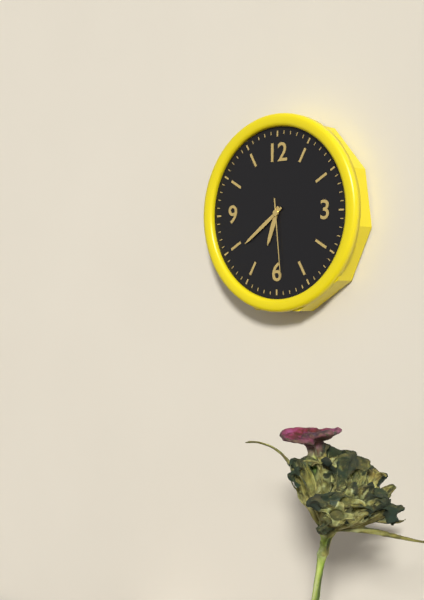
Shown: 6:39:29
